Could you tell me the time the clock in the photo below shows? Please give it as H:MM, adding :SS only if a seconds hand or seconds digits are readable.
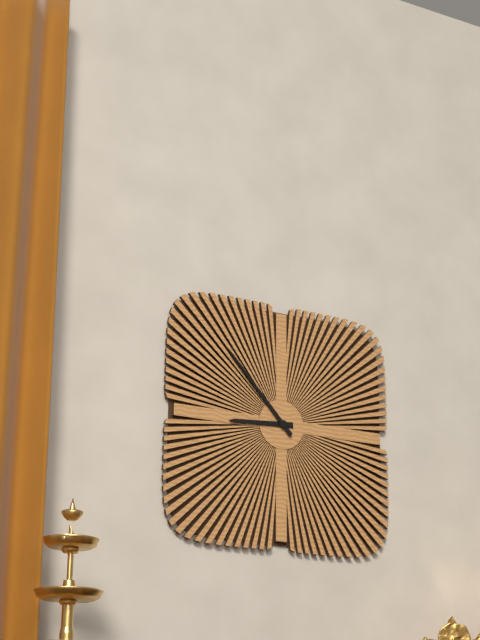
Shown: 8:53
